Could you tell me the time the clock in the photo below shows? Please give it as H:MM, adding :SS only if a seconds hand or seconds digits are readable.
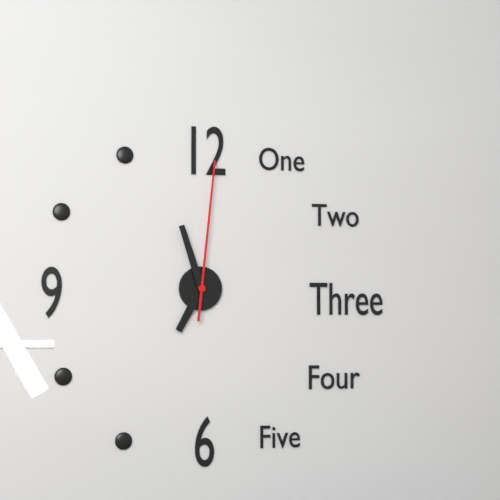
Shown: 6:57:01
